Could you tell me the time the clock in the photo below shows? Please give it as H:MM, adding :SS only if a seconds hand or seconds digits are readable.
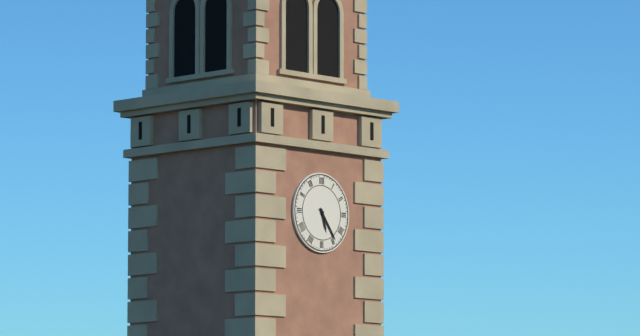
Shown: 5:24
